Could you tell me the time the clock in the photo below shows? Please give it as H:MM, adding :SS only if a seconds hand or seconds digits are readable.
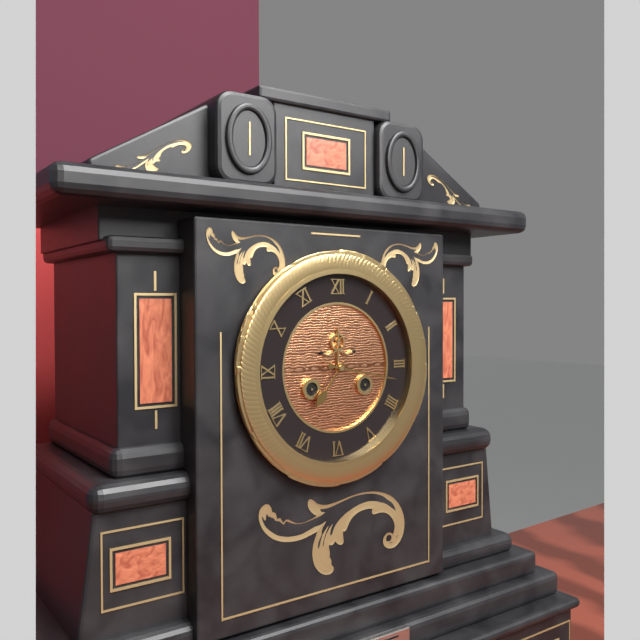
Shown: 7:17
